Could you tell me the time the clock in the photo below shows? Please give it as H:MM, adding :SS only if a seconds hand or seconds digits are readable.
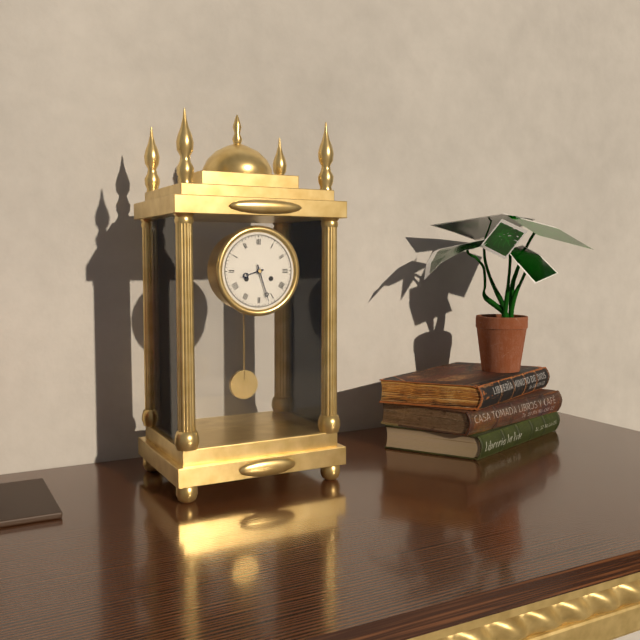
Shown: 8:27
